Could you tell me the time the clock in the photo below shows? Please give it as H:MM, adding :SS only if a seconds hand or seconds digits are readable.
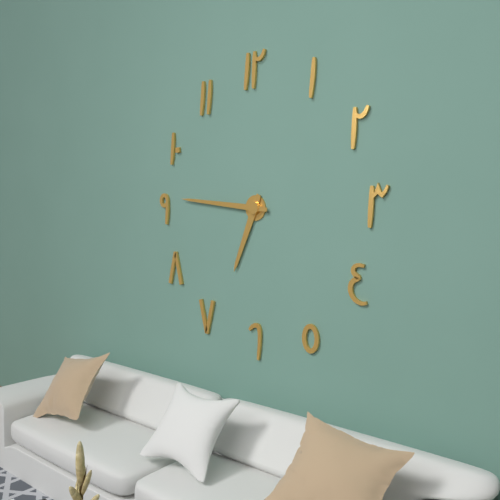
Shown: 6:46
